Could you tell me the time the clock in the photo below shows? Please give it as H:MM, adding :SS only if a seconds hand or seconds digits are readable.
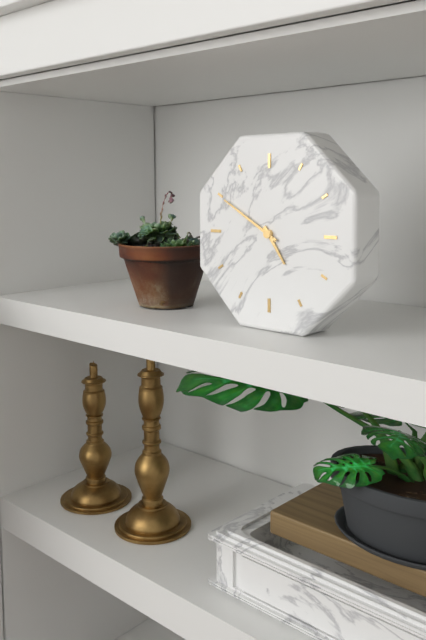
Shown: 4:50
